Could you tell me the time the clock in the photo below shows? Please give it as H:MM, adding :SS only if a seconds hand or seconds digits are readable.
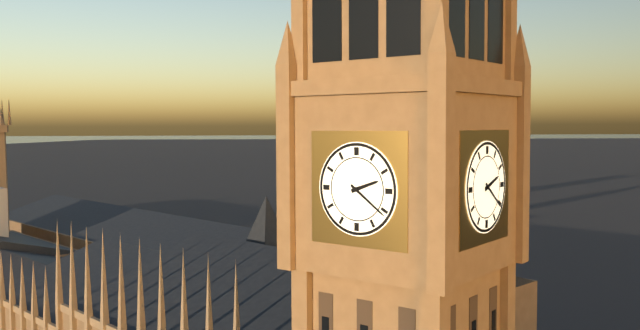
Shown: 2:21
